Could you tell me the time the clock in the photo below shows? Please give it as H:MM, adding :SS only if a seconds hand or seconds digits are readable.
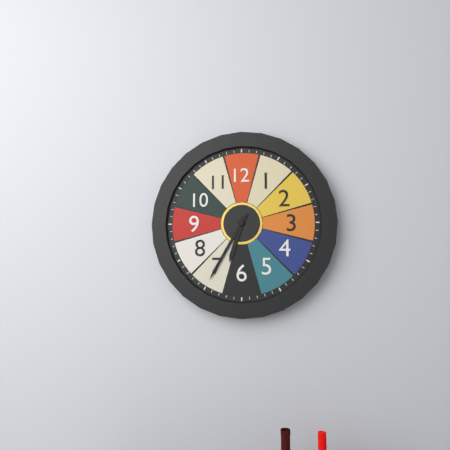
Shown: 6:35
